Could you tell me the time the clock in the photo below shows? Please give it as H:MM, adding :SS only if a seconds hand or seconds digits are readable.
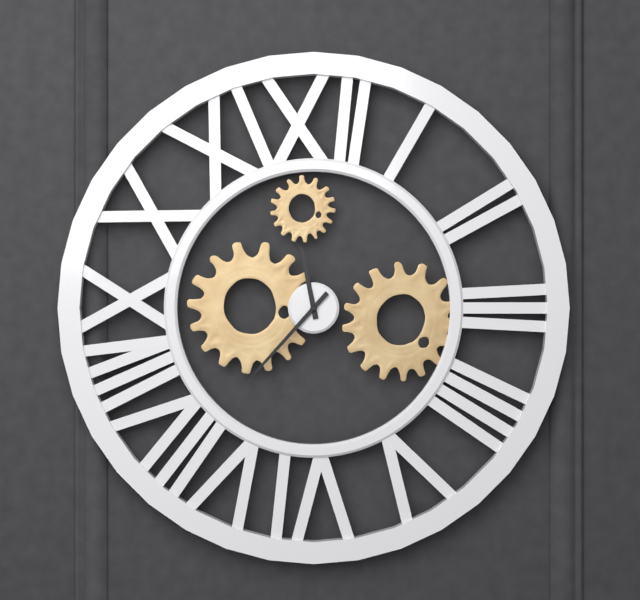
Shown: 11:37
